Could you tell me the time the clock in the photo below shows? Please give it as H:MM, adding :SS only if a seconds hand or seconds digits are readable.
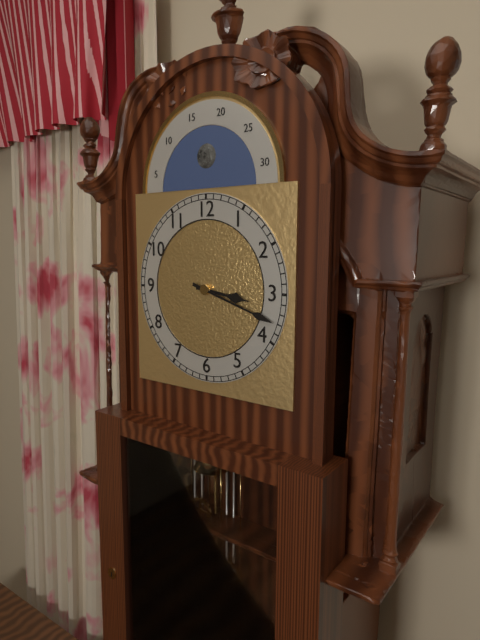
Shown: 3:18
